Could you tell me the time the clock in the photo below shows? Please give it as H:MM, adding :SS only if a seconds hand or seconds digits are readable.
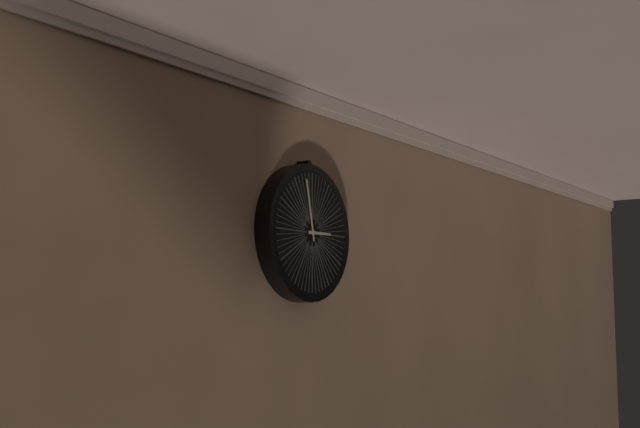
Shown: 2:58
